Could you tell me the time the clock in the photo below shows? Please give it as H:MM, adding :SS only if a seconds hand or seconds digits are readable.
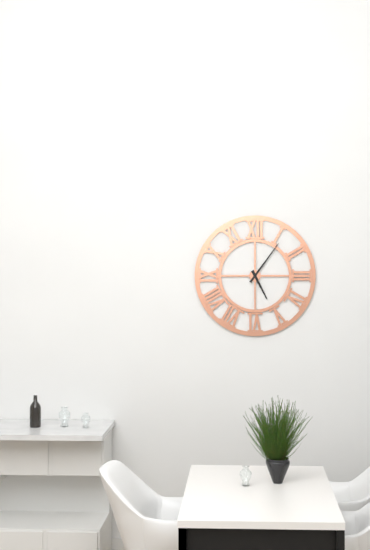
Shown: 5:06
